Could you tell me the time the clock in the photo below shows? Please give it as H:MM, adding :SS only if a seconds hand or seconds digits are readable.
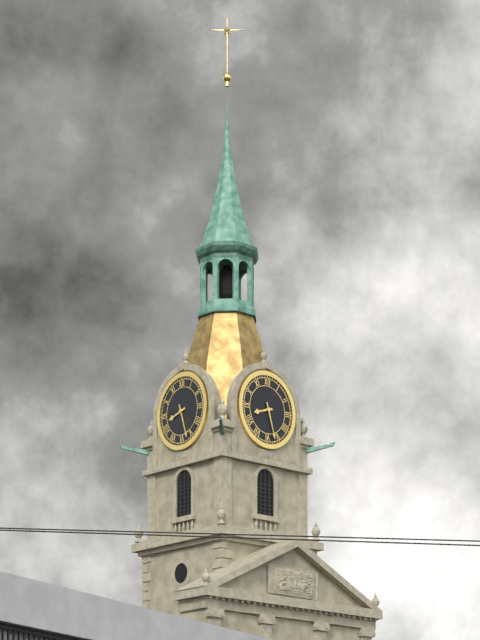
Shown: 8:27
